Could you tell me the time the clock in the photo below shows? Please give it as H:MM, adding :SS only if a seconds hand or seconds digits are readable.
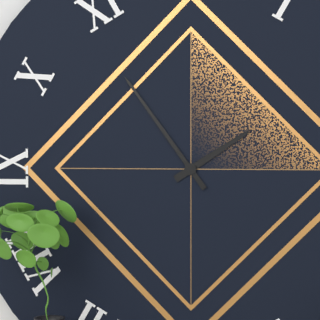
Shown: 1:54
